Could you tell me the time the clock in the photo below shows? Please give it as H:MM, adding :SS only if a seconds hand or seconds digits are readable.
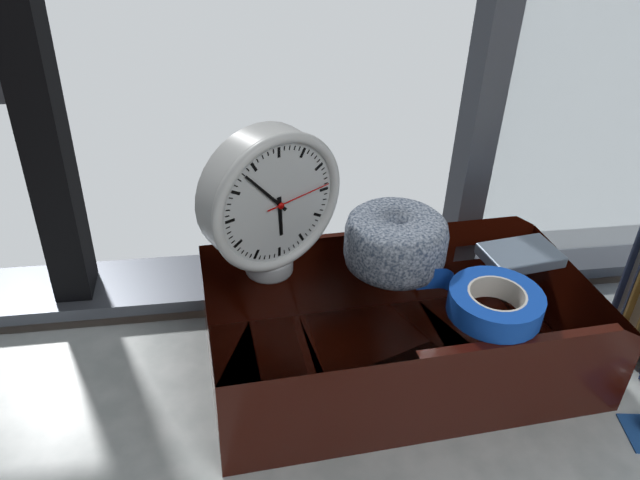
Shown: 5:53:14
